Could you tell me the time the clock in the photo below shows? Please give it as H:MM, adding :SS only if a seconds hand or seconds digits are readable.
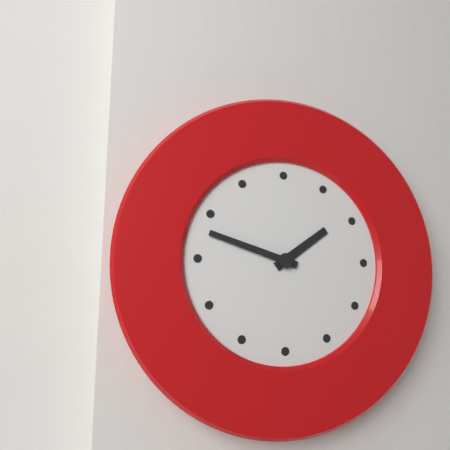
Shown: 1:48
